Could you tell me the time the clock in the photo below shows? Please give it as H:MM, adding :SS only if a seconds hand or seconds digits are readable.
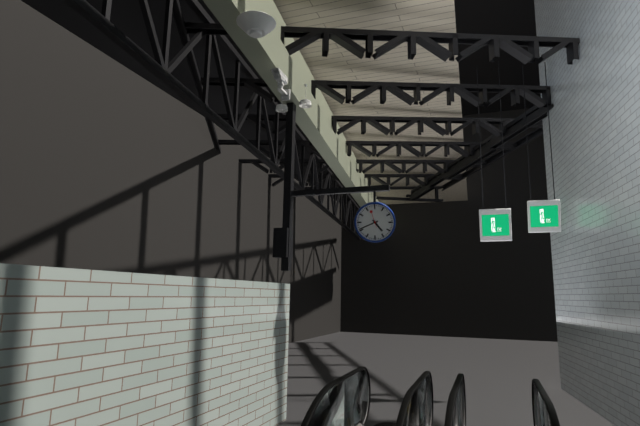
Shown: 4:41
